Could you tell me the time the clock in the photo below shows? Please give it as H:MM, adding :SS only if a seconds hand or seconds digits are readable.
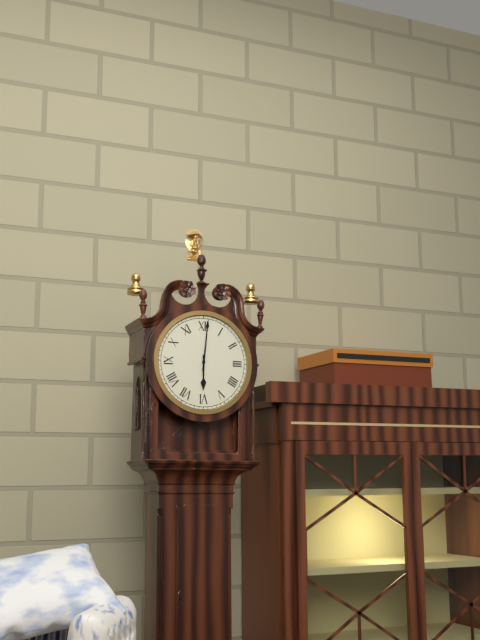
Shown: 6:01
